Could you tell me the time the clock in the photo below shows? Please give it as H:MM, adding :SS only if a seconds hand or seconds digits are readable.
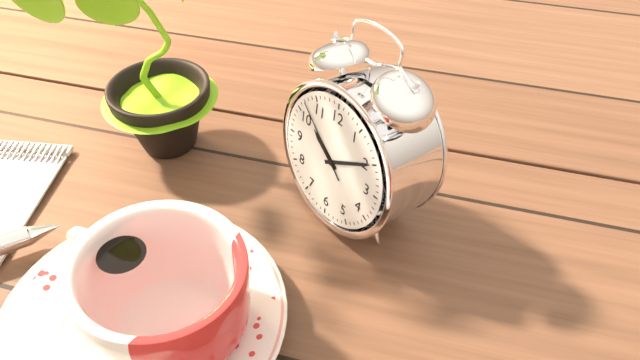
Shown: 10:10:52
